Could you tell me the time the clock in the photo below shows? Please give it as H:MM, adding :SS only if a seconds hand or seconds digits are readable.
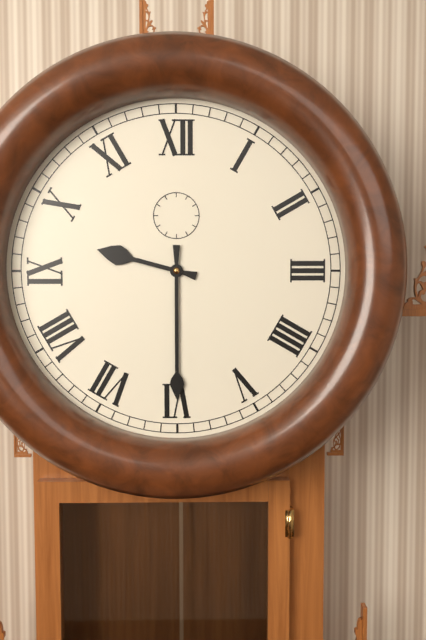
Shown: 9:30
